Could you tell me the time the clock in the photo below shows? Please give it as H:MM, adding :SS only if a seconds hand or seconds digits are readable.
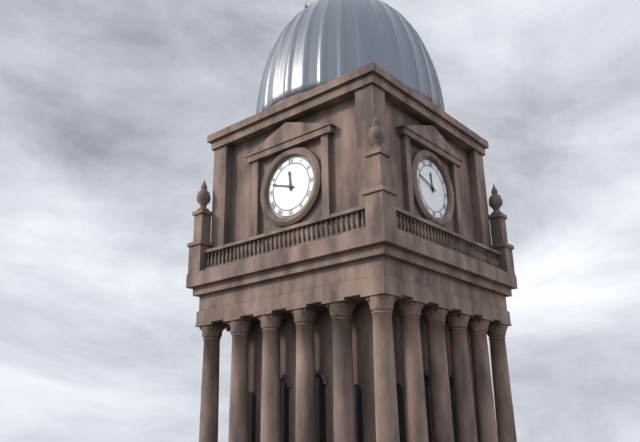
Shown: 11:48
